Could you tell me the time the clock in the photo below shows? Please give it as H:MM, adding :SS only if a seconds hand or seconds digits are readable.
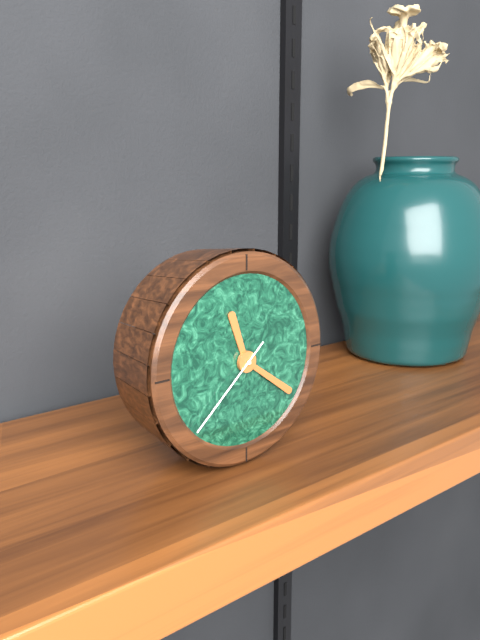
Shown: 11:21:38
